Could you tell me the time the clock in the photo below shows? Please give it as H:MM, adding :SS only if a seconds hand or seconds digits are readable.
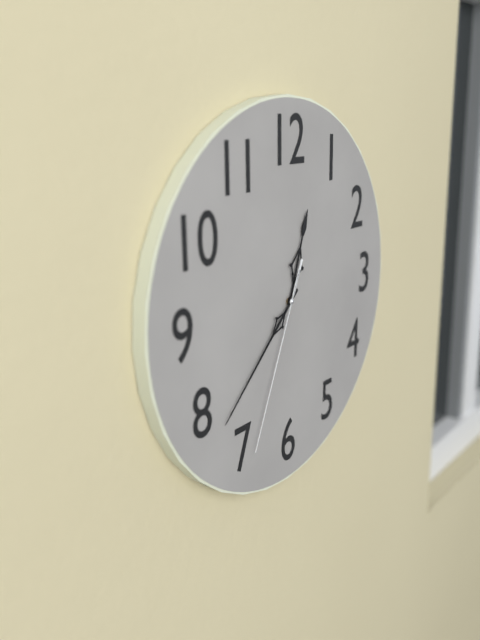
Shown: 12:38:34
